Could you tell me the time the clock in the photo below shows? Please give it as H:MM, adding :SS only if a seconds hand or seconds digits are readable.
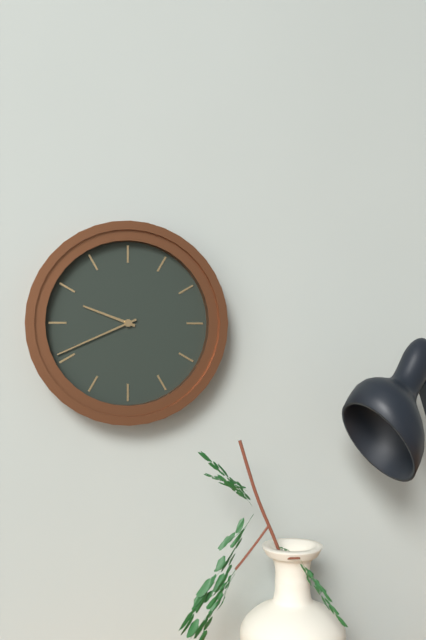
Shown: 9:41
